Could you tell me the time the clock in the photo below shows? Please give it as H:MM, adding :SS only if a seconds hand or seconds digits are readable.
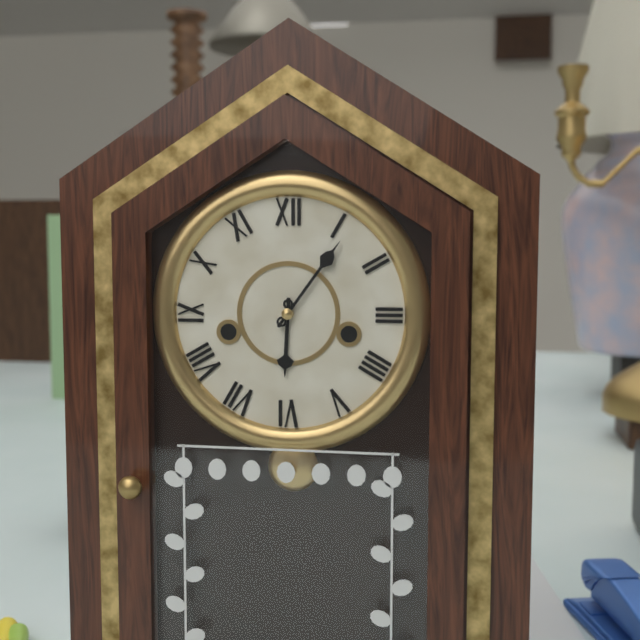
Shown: 6:06
